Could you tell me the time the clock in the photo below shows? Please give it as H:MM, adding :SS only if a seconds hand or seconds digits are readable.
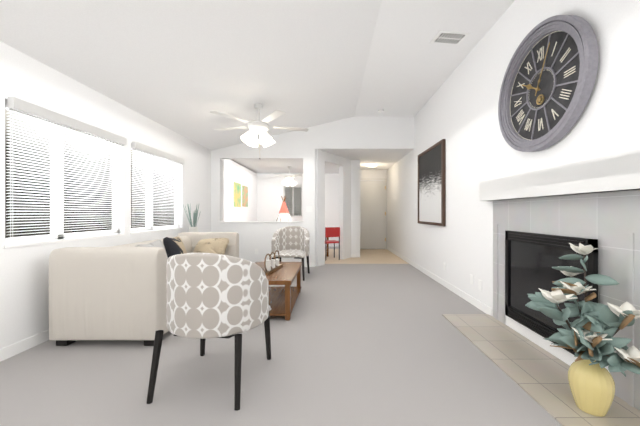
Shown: 10:04
